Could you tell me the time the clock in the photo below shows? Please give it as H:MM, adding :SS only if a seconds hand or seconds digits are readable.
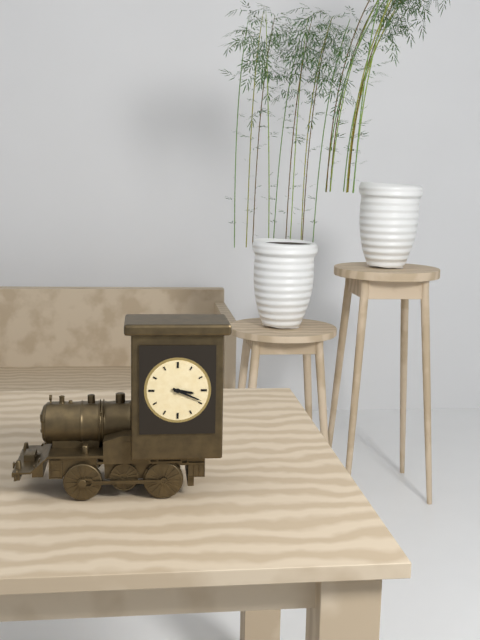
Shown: 3:19
